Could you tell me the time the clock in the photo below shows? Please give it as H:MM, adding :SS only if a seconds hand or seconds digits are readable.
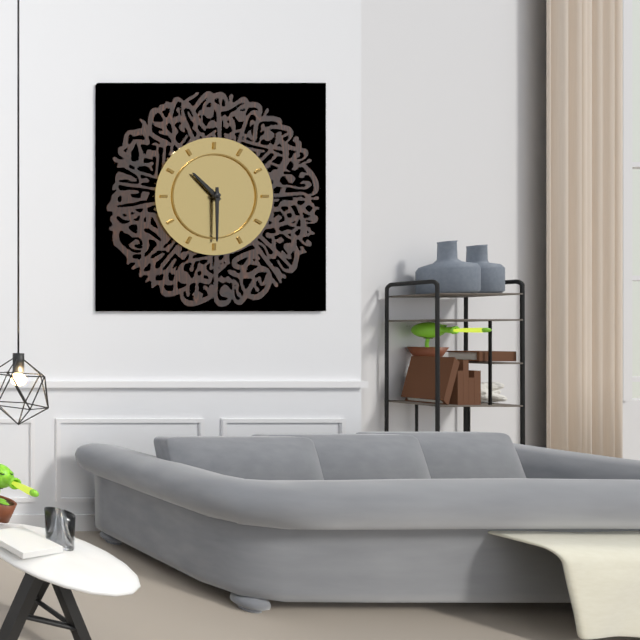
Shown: 10:30
